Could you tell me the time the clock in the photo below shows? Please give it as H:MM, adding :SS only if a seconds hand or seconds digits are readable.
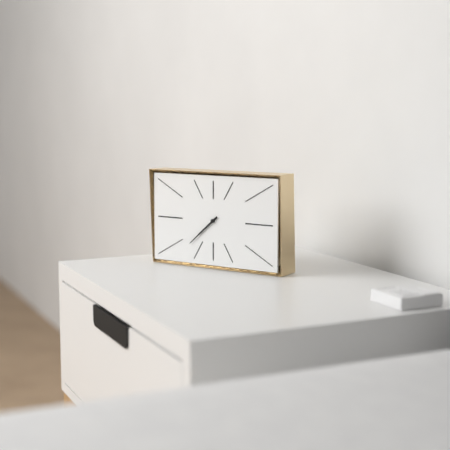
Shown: 7:38
